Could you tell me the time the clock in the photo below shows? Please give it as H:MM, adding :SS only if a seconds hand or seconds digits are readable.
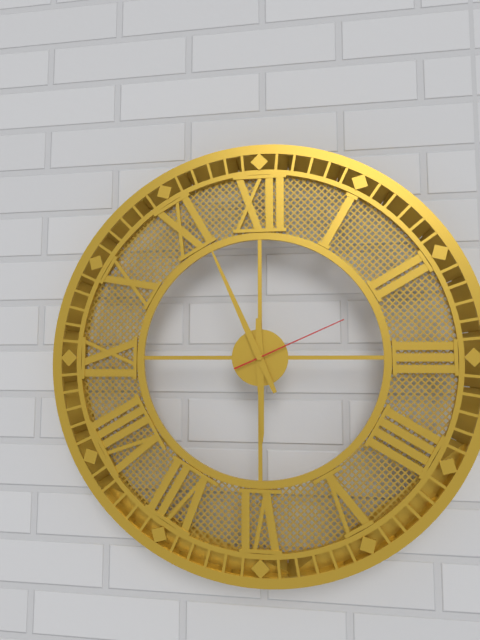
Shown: 5:56:11
